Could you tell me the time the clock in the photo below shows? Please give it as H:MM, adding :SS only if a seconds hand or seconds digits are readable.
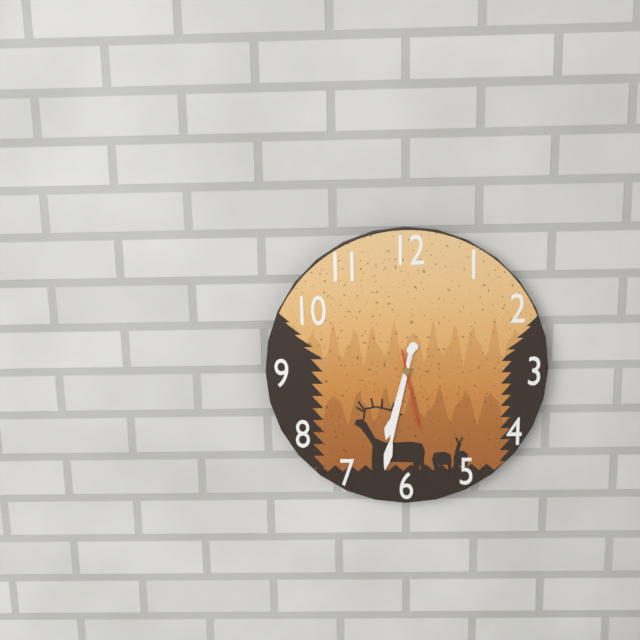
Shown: 6:32:28
